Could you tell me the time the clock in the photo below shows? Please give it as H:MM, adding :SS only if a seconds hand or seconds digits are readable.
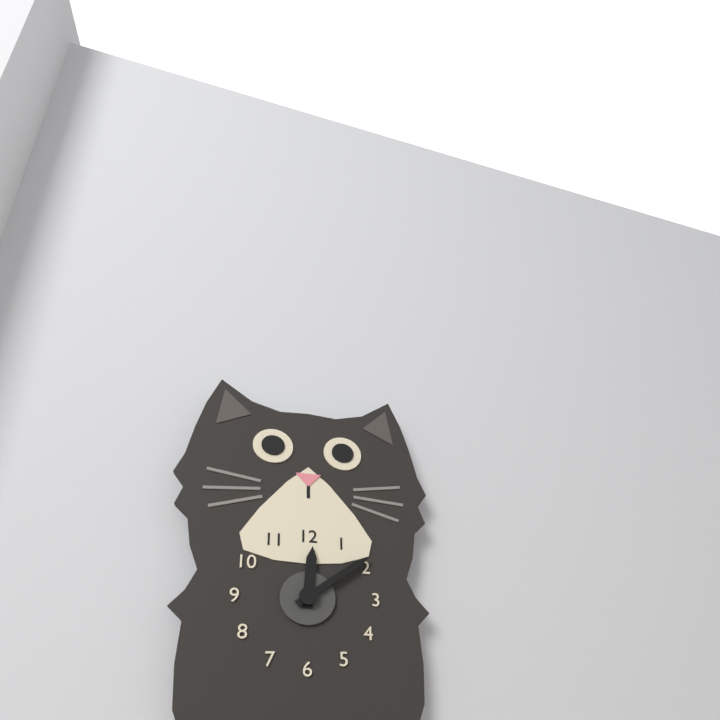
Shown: 12:09
